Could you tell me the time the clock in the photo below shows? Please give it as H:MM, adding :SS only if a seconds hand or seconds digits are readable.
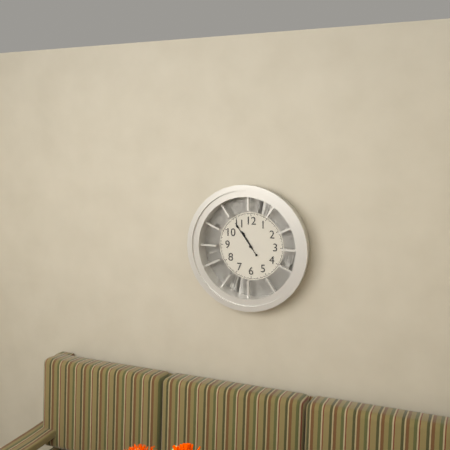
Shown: 10:54
